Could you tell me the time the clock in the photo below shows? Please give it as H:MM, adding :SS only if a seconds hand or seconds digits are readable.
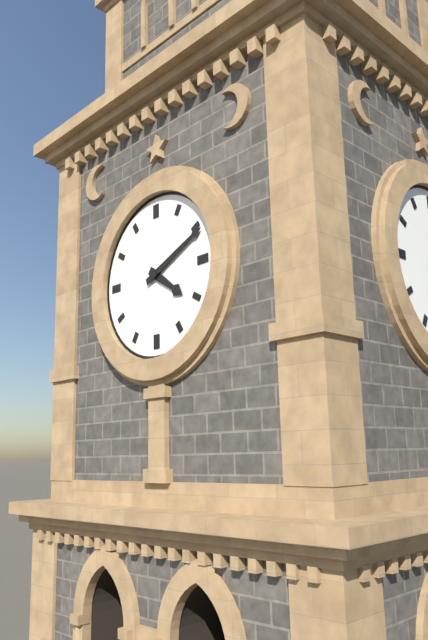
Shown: 4:11
